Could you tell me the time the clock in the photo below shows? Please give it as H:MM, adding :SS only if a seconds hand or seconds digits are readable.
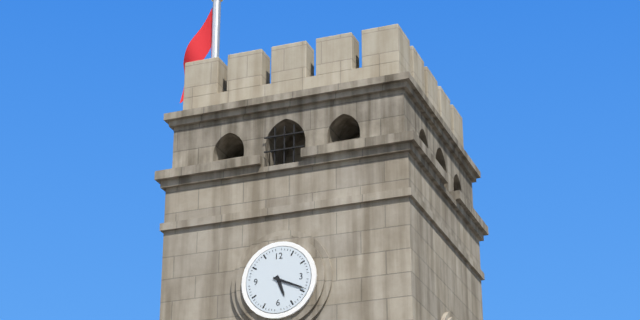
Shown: 5:19
